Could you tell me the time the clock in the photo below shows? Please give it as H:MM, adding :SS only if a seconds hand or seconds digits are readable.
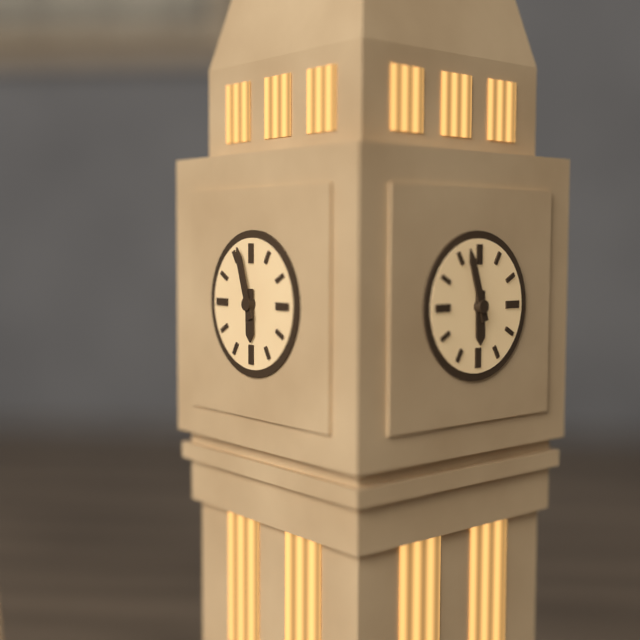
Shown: 5:57
